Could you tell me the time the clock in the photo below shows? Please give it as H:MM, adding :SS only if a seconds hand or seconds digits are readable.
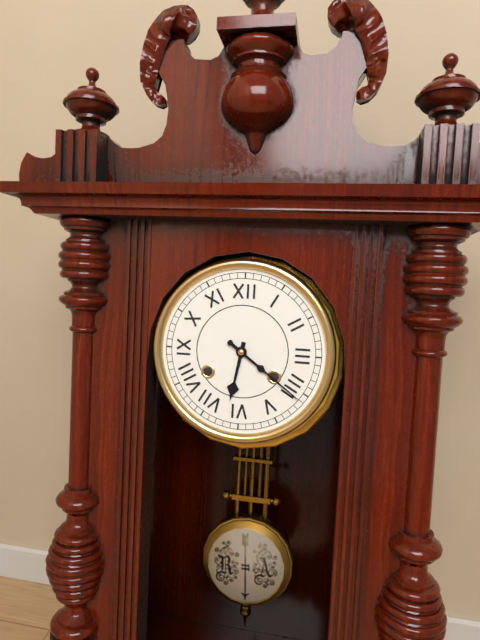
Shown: 6:21
